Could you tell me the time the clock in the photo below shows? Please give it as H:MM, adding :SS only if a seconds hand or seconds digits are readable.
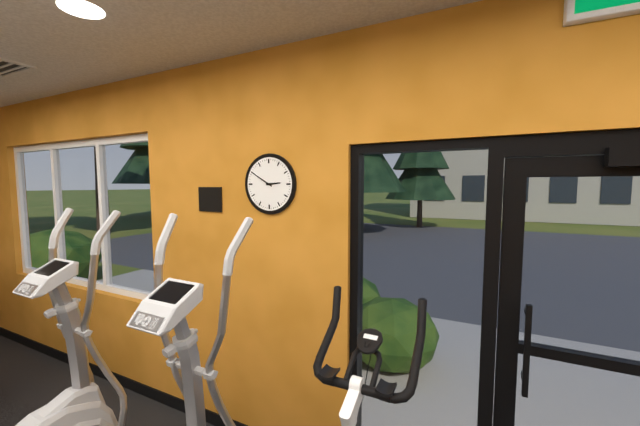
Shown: 2:50
